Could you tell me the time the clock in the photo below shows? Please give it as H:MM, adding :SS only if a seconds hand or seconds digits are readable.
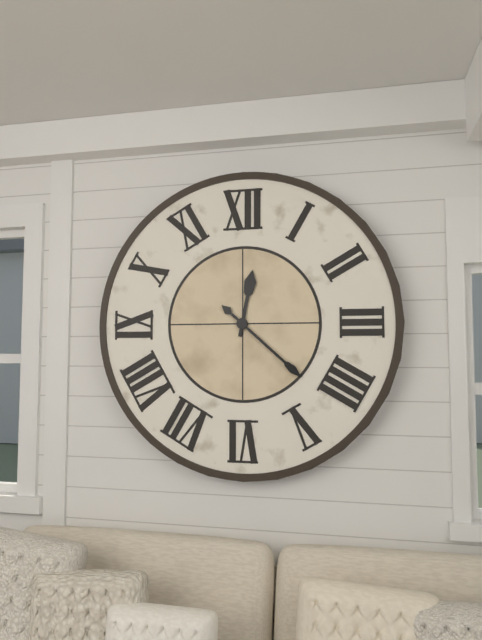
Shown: 12:22
